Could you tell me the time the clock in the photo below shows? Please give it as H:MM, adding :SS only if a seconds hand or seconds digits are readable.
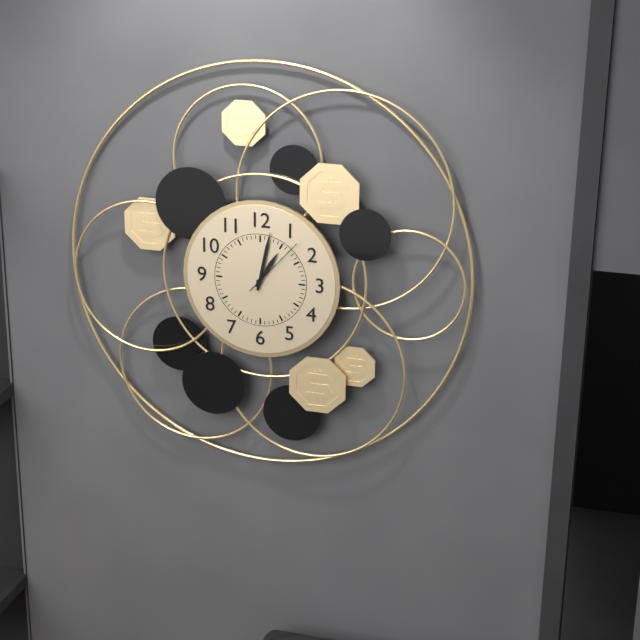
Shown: 1:02:07
